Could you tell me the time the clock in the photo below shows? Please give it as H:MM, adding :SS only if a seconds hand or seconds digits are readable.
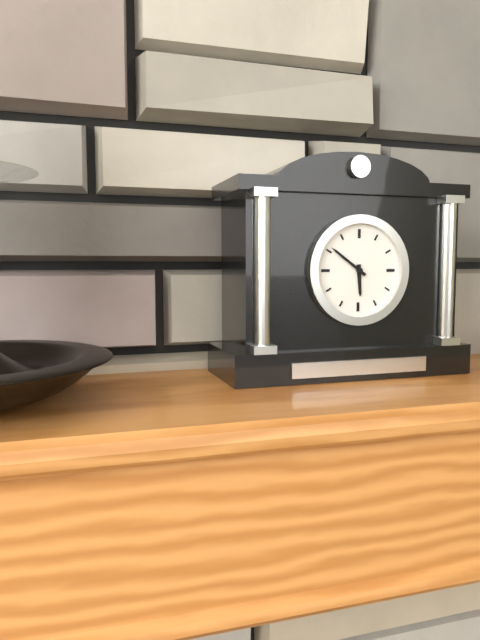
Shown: 5:51
